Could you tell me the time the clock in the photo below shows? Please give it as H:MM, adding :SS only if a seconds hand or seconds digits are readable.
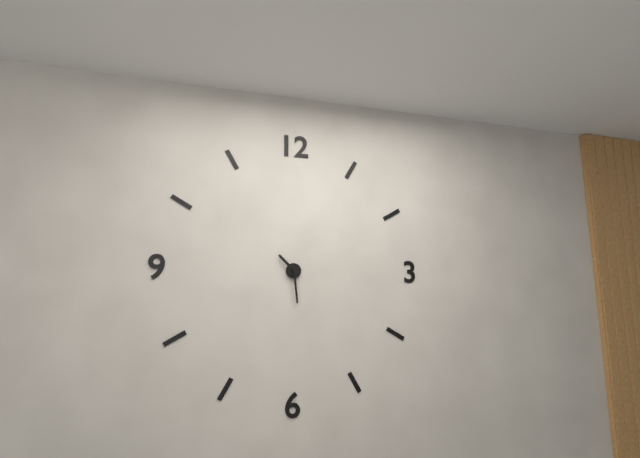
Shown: 10:29
